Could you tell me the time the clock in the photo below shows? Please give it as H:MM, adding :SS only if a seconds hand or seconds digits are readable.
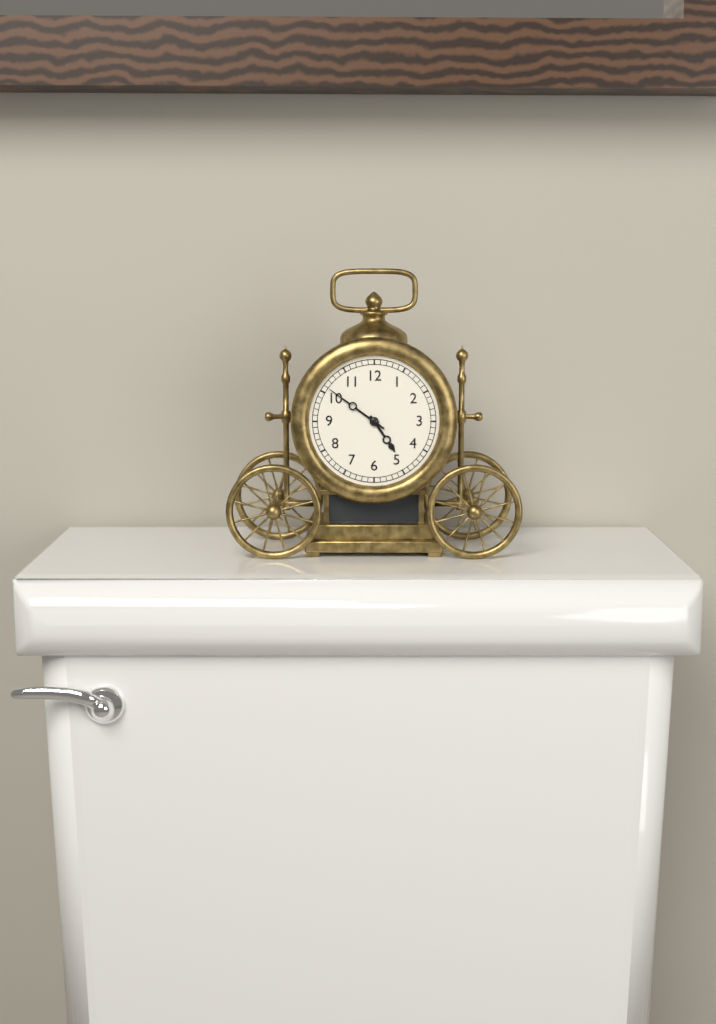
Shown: 4:51
